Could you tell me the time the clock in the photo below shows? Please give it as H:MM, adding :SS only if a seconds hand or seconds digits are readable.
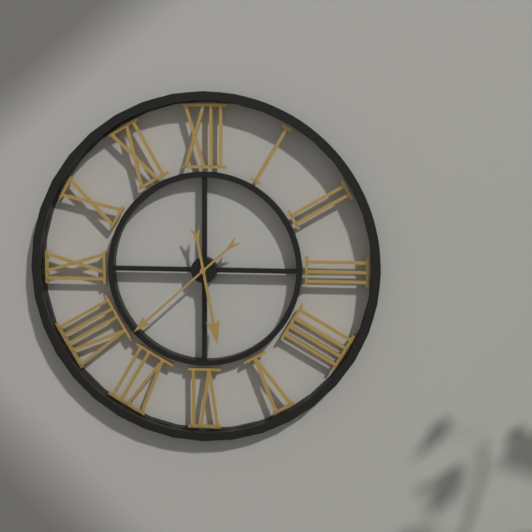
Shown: 5:38
